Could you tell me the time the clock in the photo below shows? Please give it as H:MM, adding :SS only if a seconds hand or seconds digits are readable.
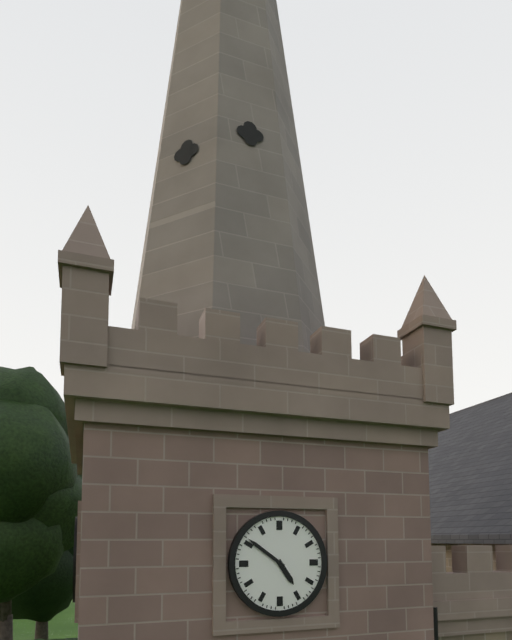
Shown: 4:51
